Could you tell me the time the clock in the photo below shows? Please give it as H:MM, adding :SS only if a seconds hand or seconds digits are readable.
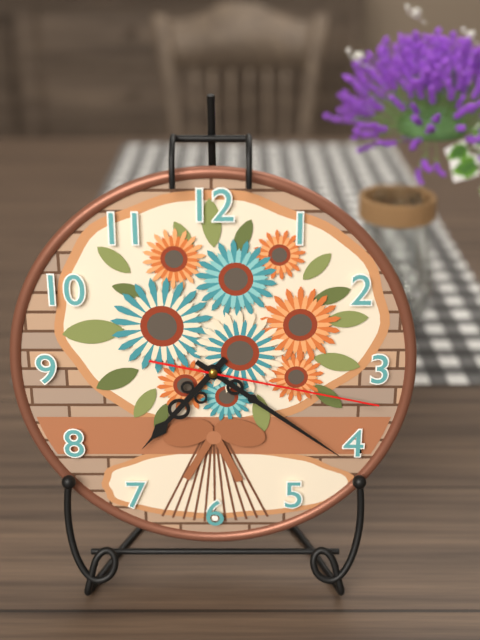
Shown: 7:21:17
